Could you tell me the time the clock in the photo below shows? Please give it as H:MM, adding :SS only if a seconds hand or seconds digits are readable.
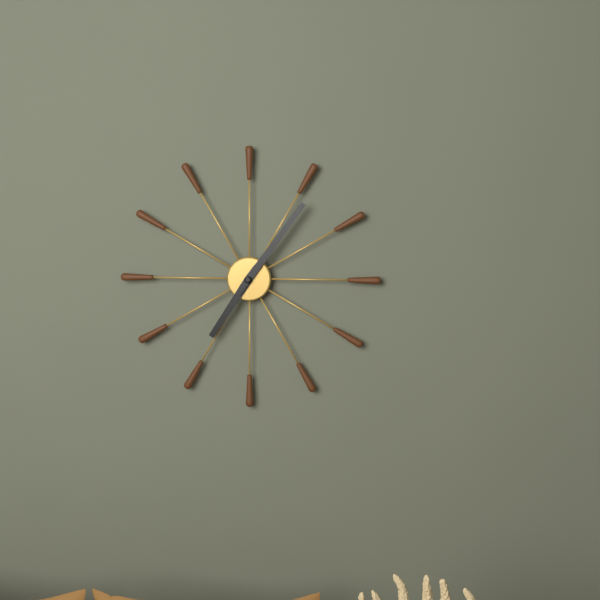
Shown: 7:06
